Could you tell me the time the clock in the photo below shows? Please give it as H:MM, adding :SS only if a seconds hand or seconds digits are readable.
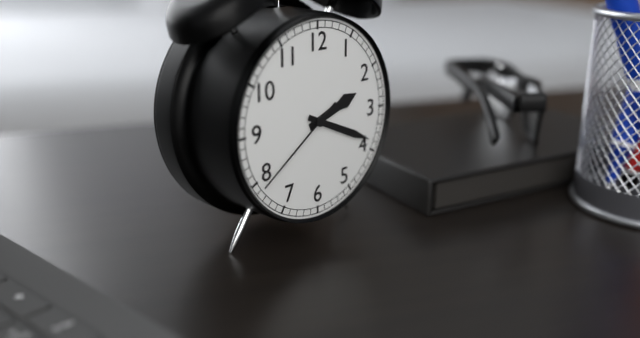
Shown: 2:19:39
